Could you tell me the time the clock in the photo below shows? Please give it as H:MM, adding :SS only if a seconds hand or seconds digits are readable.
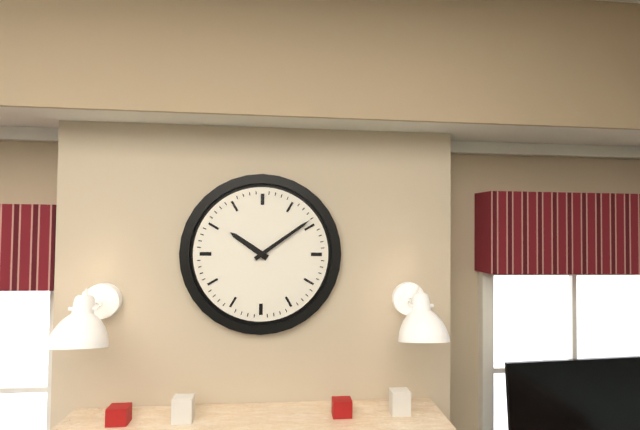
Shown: 10:09
